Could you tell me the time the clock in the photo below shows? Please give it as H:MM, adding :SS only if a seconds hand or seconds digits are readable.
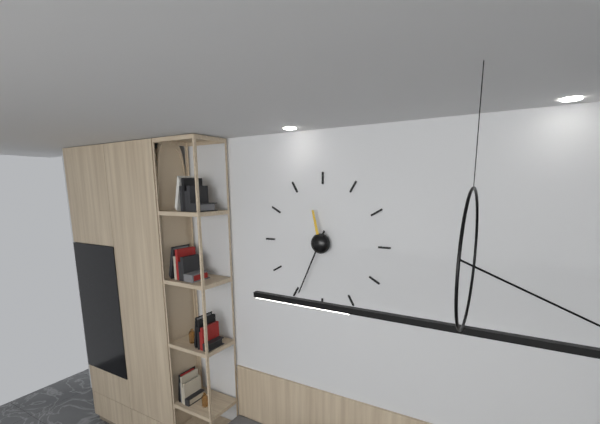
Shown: 11:34
